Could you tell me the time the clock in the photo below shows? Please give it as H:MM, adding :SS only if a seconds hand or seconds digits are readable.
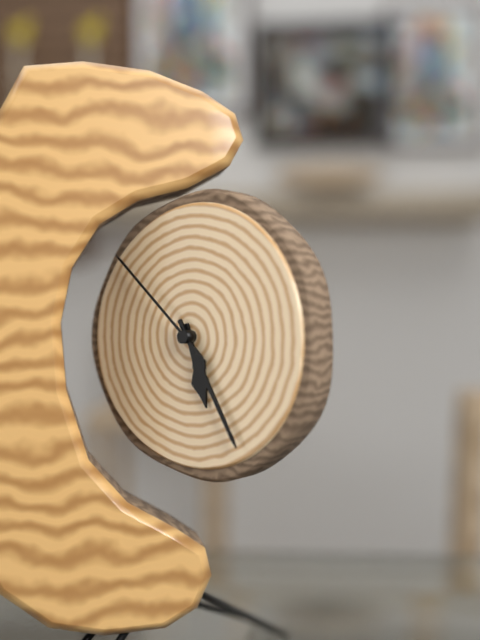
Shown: 5:25:52
